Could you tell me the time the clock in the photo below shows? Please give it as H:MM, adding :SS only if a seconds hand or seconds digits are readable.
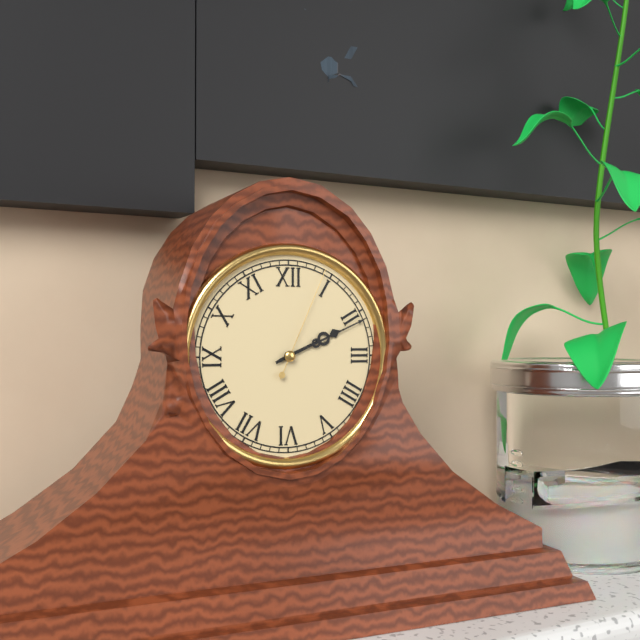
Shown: 2:11:04
